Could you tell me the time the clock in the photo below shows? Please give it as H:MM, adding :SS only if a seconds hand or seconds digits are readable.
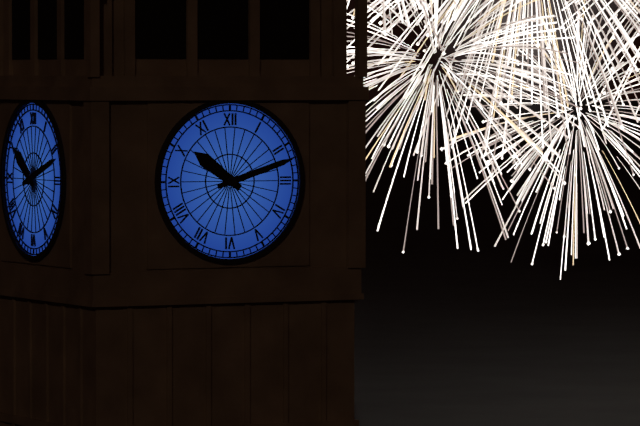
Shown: 10:12
